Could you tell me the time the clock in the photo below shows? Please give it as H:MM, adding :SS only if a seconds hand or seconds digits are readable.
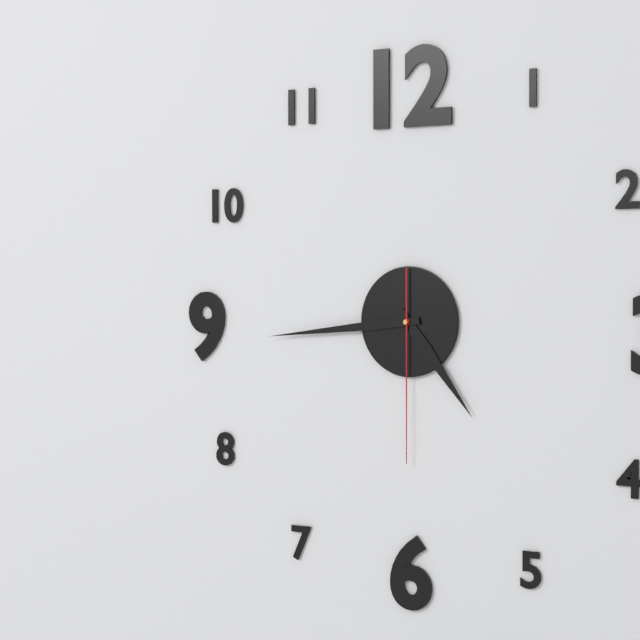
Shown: 4:44:30
